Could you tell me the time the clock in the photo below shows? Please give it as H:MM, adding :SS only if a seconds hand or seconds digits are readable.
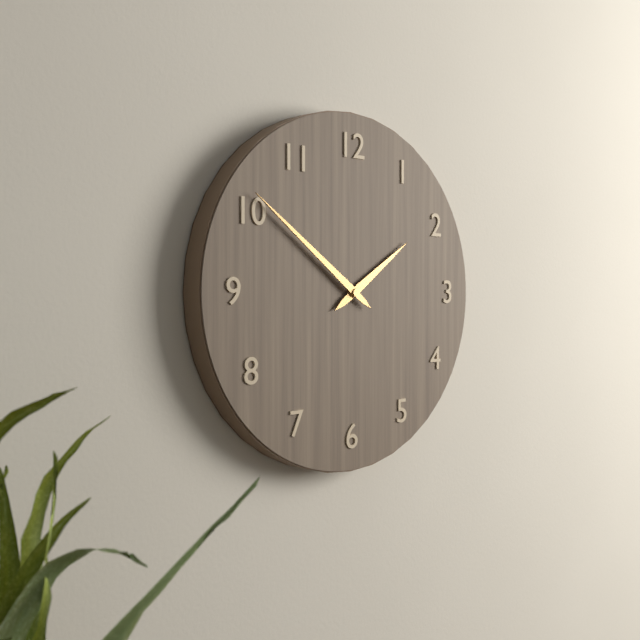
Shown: 1:51
